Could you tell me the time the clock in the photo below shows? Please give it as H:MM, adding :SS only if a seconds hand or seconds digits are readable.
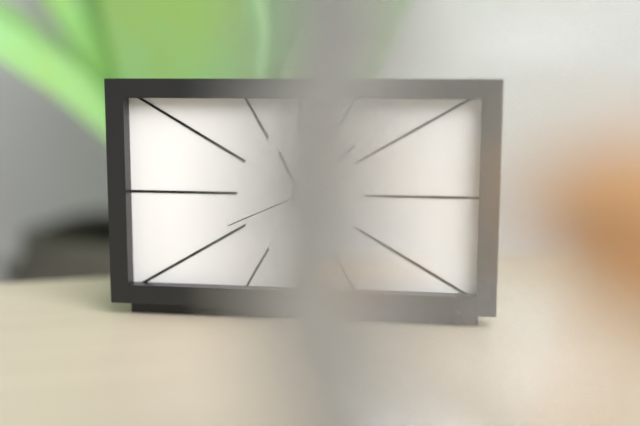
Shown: 11:08:41
